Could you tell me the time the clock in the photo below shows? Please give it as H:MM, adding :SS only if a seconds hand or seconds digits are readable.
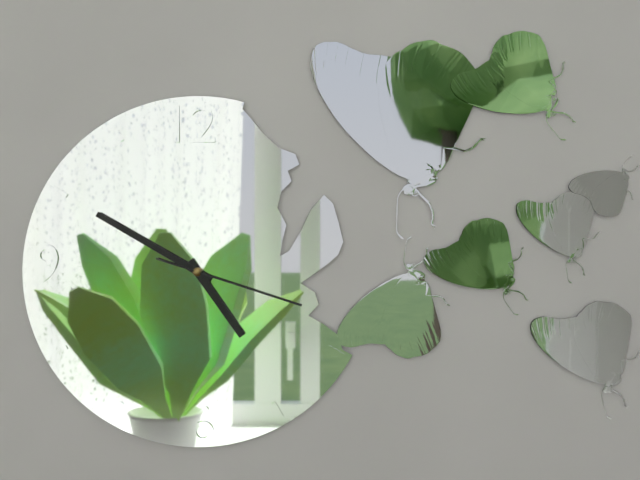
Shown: 4:50:18
